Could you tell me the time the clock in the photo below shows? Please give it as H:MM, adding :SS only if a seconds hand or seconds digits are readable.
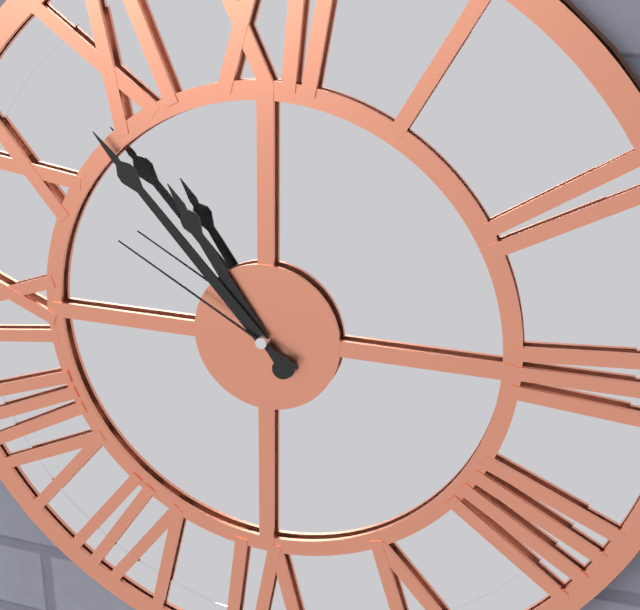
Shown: 10:53:50
